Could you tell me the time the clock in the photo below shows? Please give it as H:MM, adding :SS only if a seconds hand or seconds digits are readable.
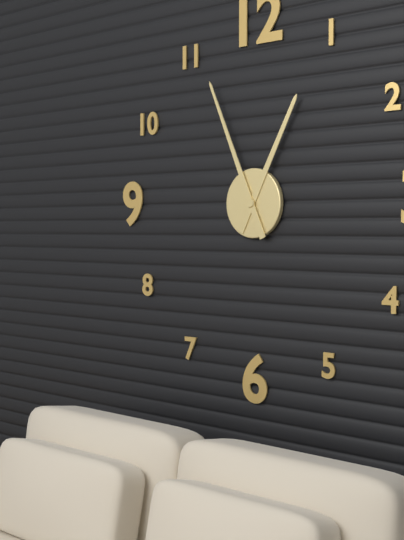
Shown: 12:56
